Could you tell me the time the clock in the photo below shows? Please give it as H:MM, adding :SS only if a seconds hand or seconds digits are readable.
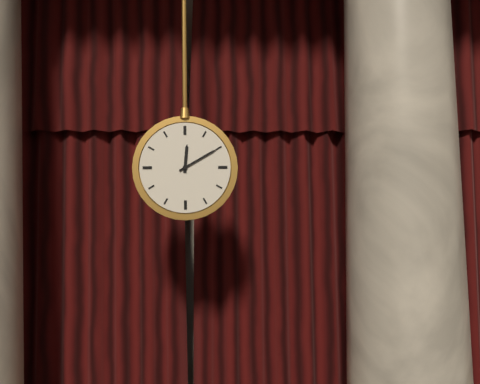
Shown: 12:10
